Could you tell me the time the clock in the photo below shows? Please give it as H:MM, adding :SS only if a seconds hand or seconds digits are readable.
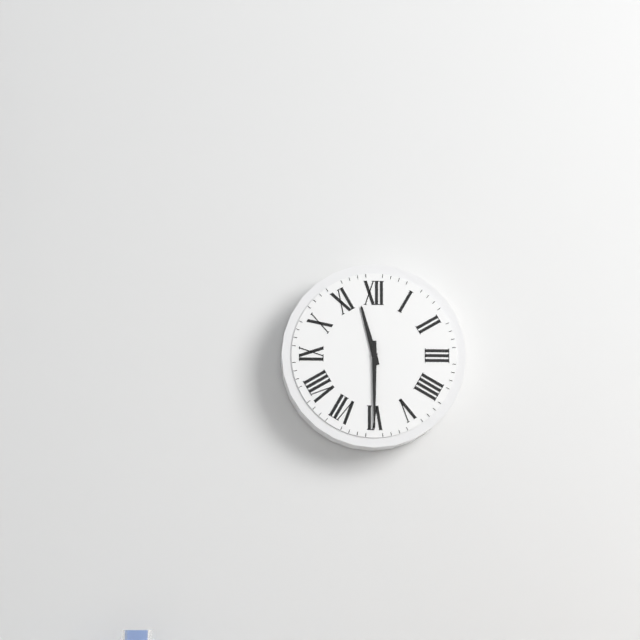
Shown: 11:30
